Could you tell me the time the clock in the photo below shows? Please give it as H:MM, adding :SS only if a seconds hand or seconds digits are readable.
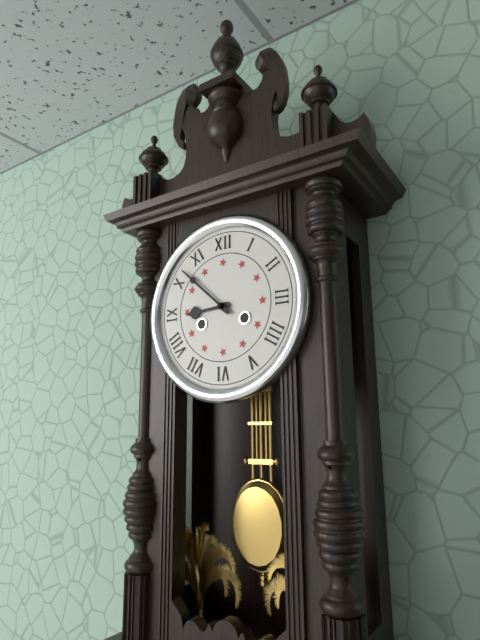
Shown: 8:52
